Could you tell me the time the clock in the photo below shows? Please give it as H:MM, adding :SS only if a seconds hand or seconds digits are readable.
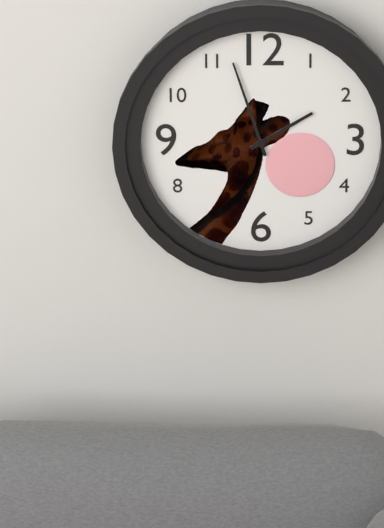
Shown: 1:57
